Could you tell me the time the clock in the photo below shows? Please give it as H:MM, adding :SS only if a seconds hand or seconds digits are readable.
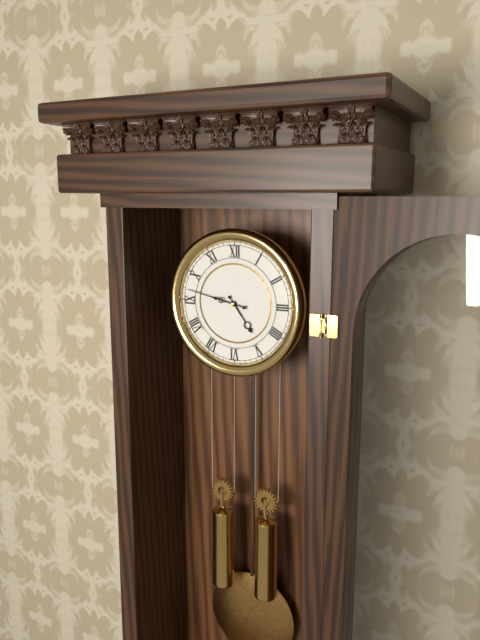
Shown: 4:47
